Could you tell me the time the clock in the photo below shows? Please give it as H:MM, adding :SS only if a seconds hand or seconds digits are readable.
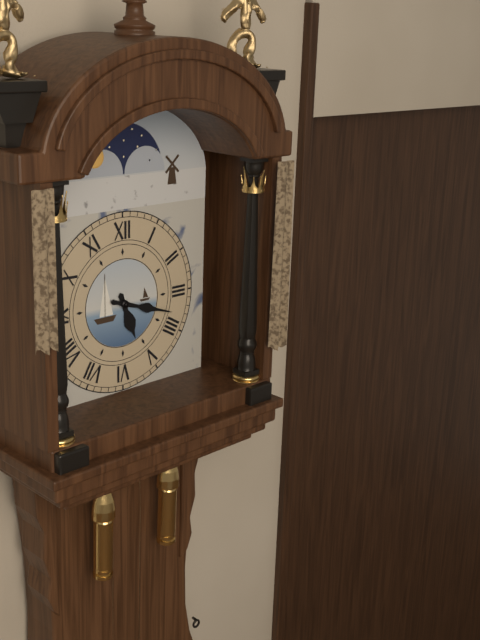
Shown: 5:18
